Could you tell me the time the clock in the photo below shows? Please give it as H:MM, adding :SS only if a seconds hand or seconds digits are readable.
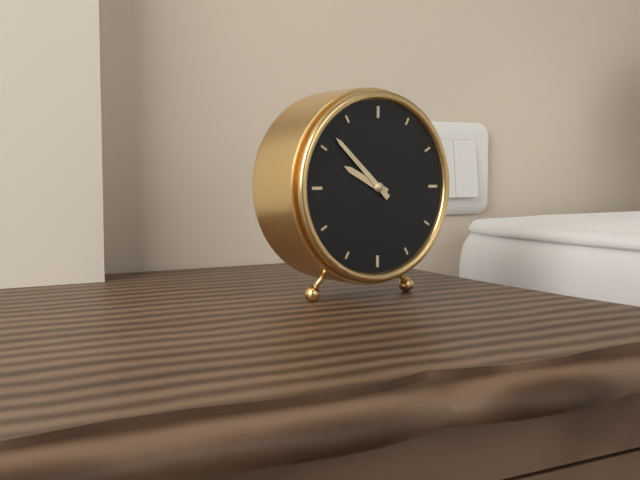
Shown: 9:52
